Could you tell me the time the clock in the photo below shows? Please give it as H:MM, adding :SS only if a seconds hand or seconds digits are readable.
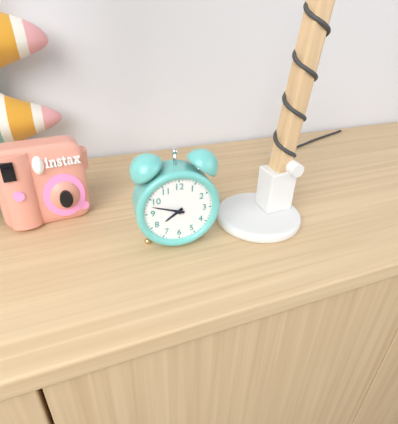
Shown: 7:48
